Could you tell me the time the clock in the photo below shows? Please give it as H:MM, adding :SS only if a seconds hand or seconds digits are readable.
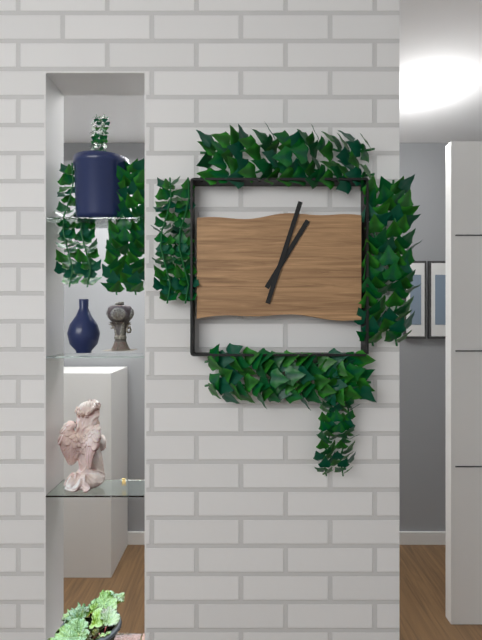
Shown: 1:03
